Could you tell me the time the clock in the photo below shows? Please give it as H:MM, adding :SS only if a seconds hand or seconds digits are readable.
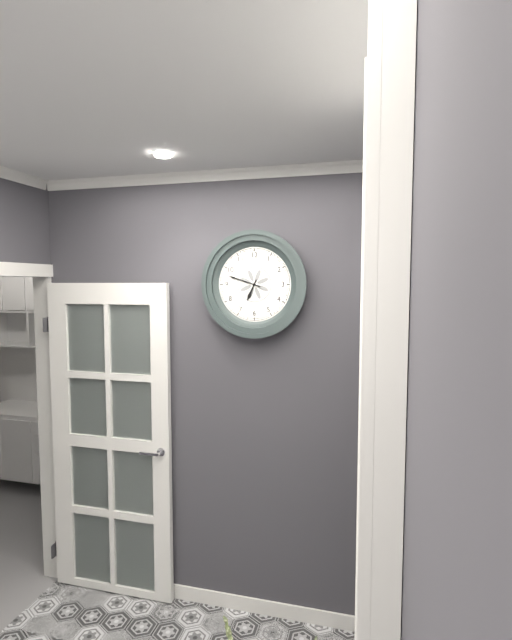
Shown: 6:48
